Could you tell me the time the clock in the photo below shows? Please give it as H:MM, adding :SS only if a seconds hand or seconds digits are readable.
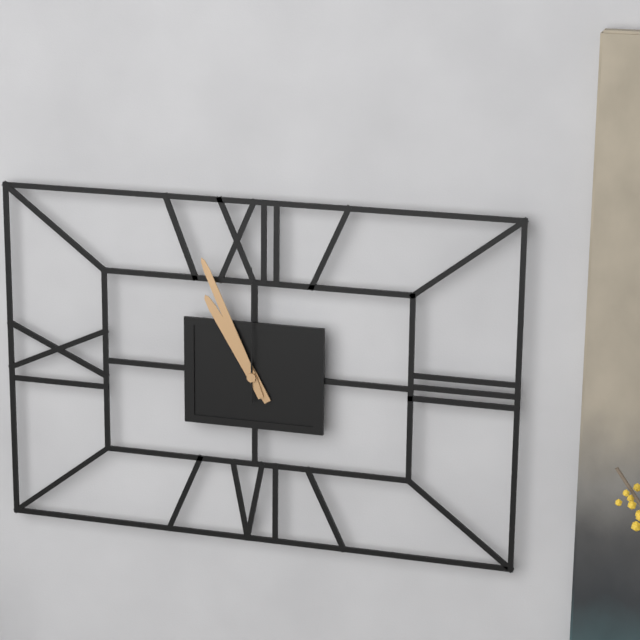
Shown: 10:56:00
